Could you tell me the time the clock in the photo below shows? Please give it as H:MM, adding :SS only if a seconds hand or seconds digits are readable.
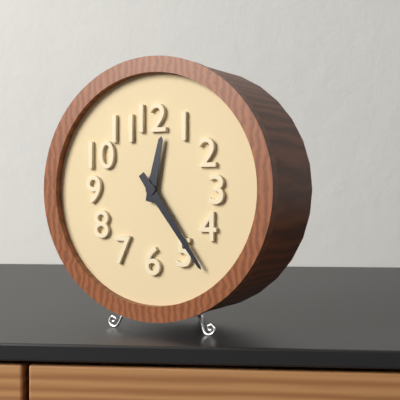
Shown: 12:24
